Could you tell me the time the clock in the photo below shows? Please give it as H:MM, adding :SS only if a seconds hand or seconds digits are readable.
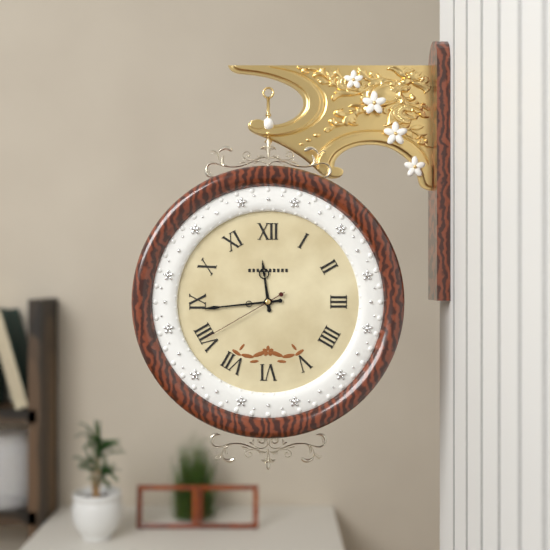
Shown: 11:44:40
